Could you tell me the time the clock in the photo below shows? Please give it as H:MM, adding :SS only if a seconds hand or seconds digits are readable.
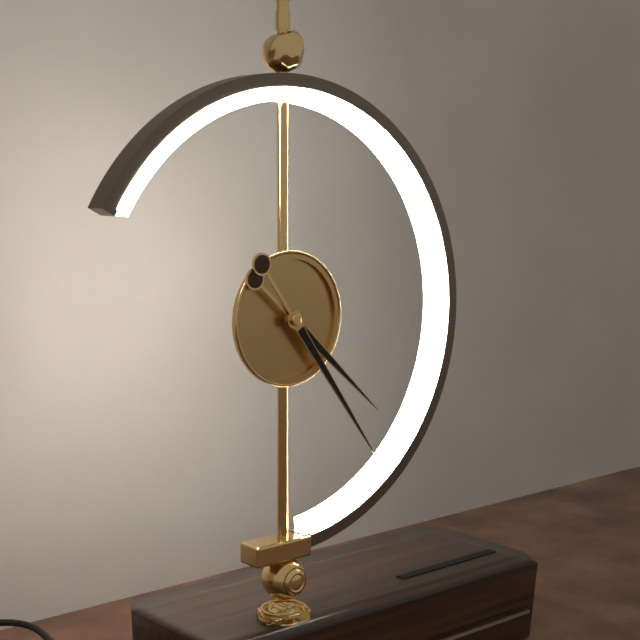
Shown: 4:24
